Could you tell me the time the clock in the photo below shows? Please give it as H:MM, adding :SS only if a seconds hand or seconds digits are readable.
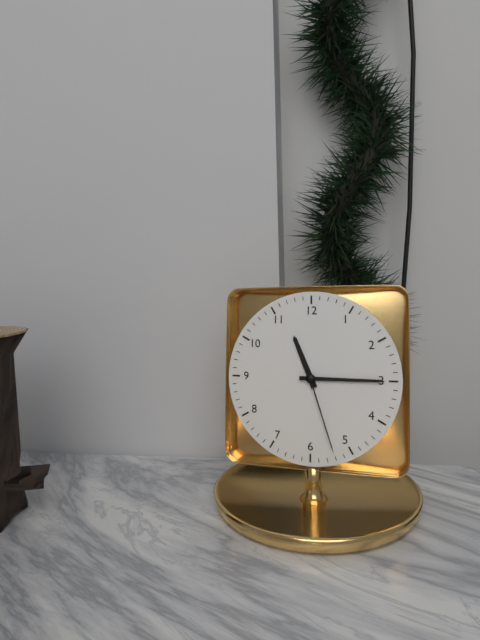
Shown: 11:15:27
